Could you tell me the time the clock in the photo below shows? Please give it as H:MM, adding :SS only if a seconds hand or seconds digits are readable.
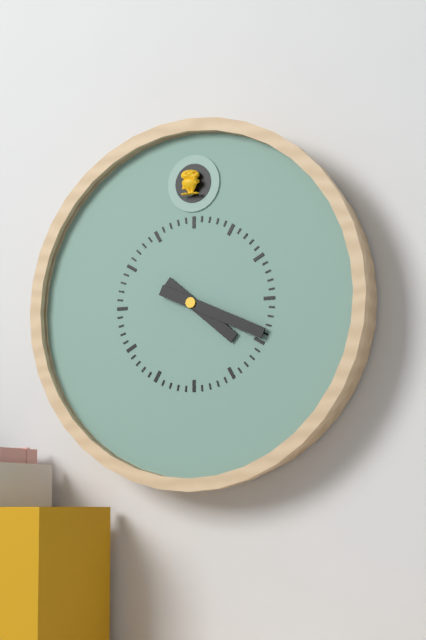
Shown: 4:19
